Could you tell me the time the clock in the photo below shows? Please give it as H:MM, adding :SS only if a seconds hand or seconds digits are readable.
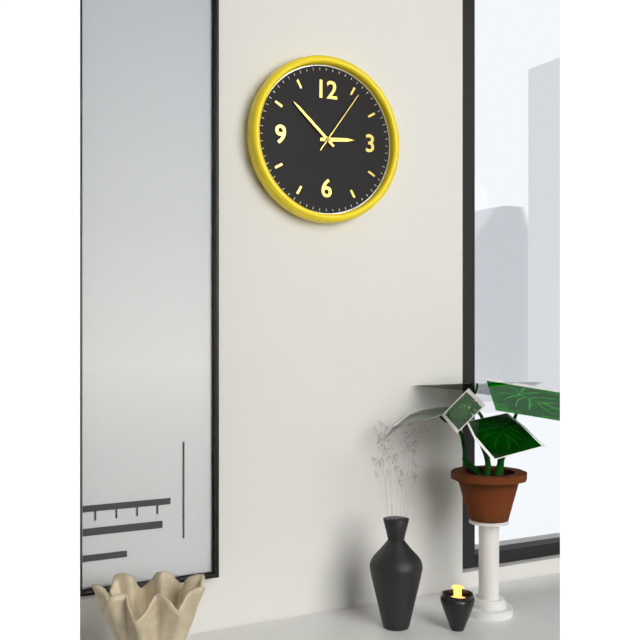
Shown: 2:52:06
